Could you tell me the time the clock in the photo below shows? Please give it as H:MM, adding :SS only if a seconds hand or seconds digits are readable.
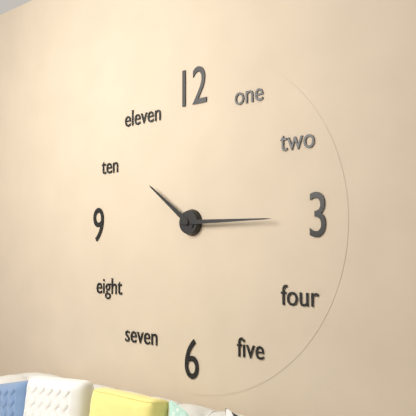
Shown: 10:15
